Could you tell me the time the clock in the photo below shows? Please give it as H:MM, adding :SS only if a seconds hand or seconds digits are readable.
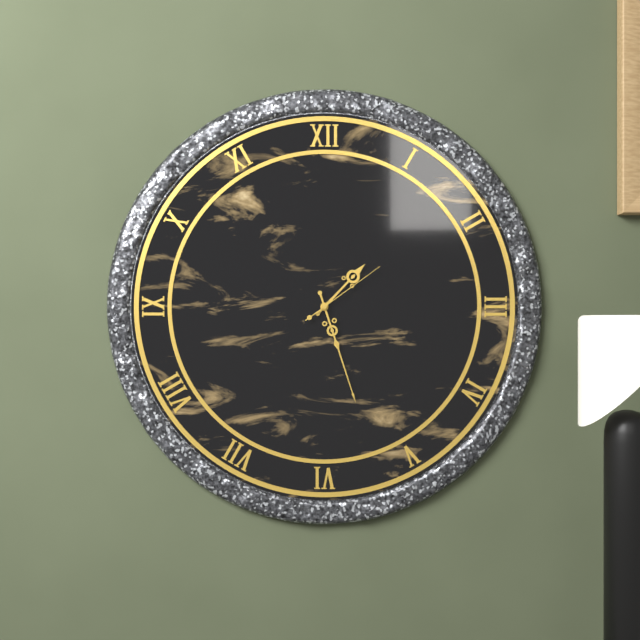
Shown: 1:27:09
